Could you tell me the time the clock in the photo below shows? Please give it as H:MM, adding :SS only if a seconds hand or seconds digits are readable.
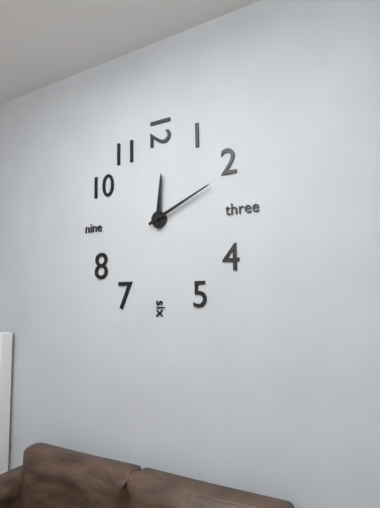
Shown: 12:11
